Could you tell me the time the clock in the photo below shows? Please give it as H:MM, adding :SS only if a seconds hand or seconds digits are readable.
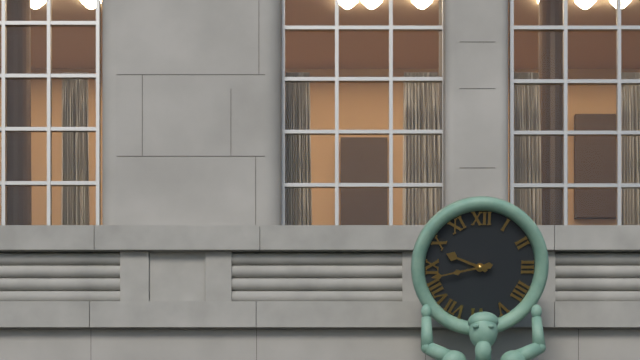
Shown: 9:43
